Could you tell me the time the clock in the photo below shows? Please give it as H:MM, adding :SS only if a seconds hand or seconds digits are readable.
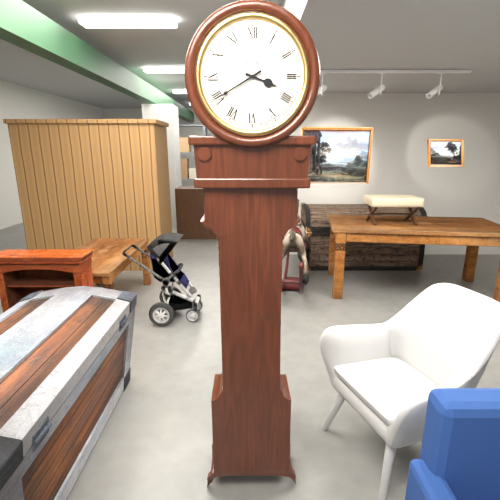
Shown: 3:40
